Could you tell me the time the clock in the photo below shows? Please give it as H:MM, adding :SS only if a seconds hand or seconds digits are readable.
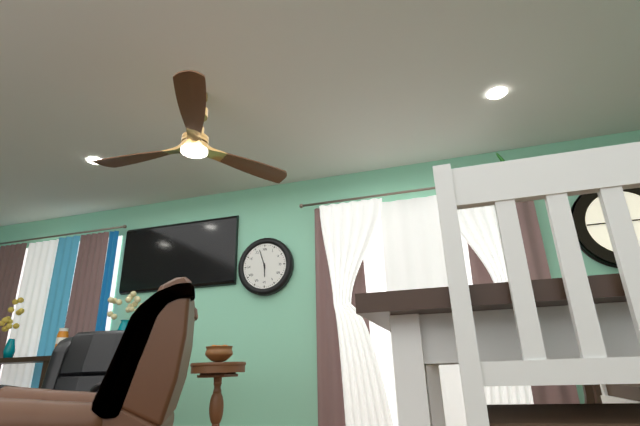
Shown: 5:57
